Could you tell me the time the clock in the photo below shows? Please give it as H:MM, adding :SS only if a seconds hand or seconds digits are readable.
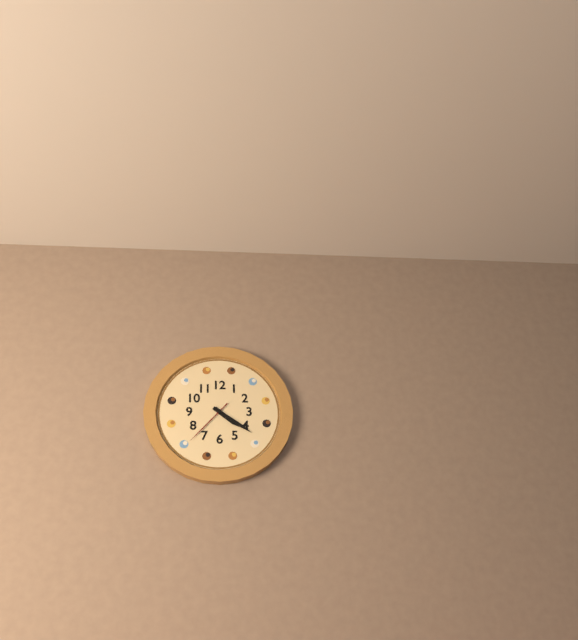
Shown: 4:21:37
